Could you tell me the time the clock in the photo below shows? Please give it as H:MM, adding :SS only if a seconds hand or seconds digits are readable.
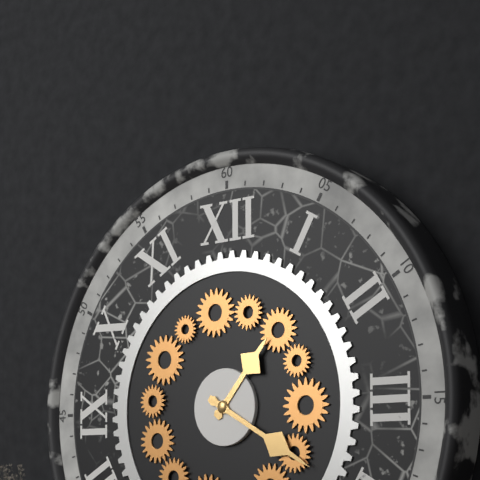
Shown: 1:20
